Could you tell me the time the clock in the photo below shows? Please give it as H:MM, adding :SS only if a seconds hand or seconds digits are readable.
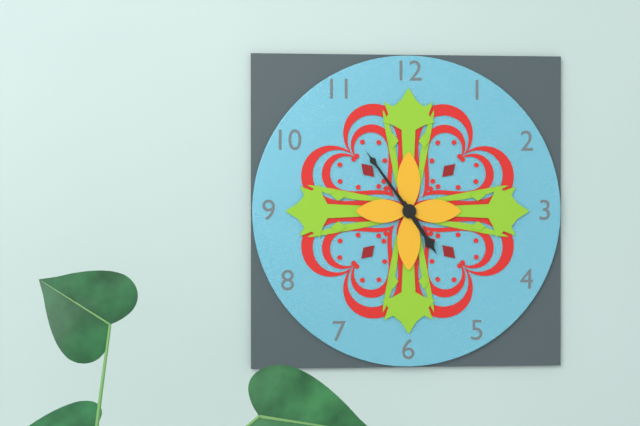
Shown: 4:54
